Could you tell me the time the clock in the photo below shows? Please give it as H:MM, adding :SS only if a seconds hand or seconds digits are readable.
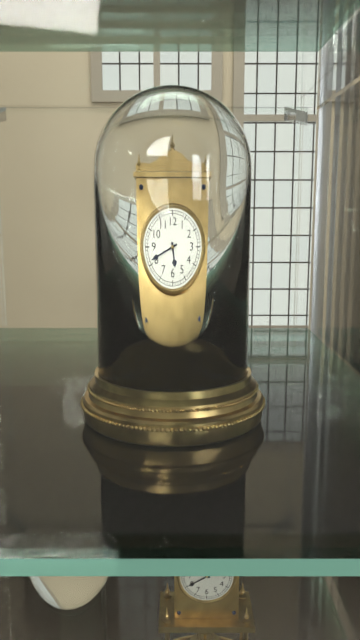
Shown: 5:41
